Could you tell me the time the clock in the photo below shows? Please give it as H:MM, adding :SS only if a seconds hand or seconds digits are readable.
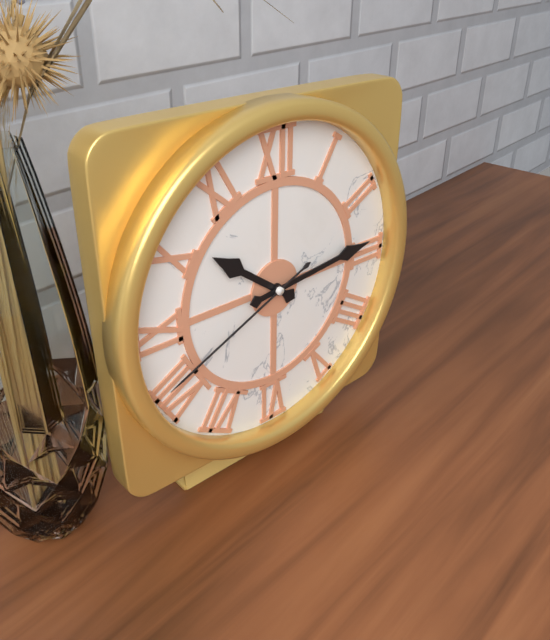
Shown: 10:14:41
